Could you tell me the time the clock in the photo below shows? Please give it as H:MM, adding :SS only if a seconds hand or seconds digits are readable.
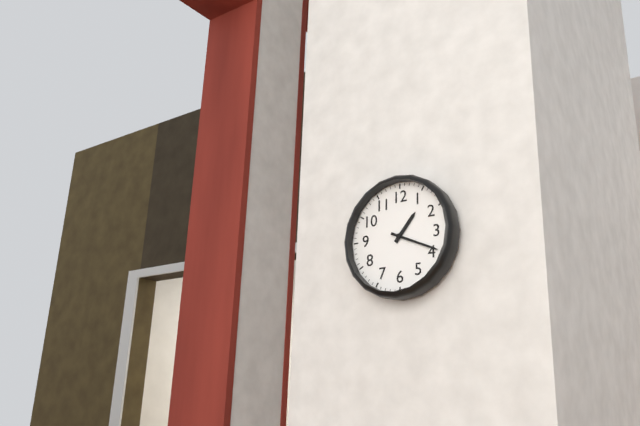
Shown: 1:19
